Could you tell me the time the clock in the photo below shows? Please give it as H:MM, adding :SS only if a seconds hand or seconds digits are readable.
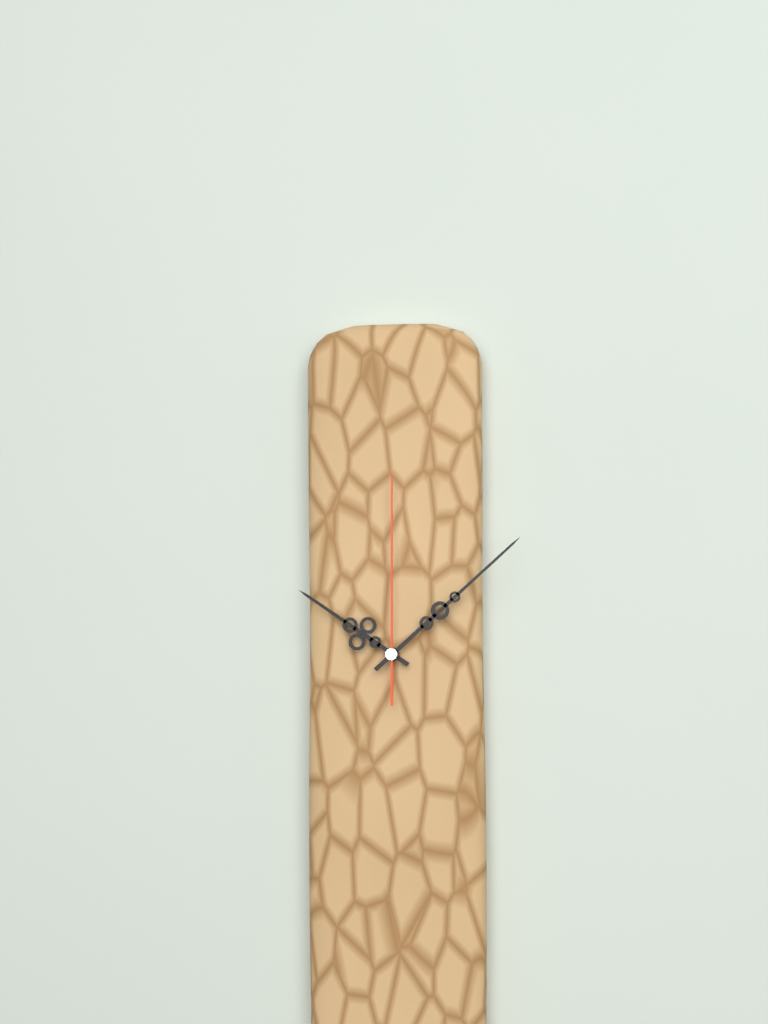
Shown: 10:08:00
